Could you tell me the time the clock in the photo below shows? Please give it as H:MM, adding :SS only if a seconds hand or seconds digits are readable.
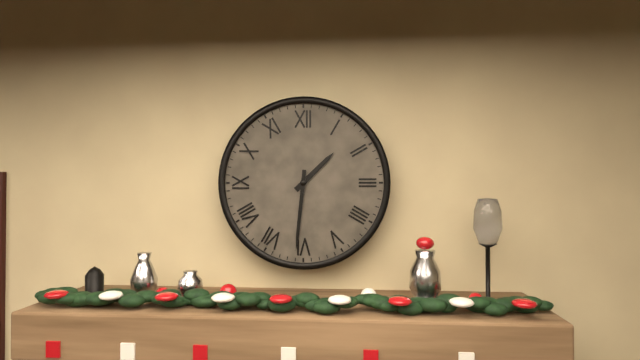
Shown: 1:31
